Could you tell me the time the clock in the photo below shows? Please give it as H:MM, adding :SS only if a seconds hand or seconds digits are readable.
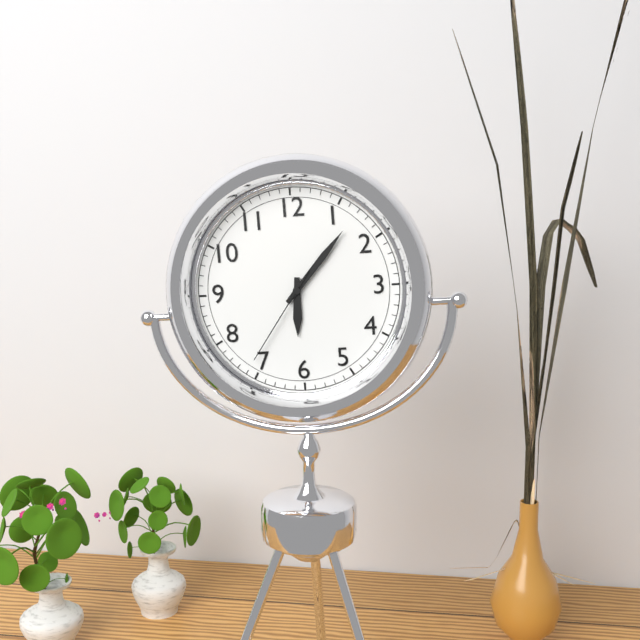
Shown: 6:07:36
